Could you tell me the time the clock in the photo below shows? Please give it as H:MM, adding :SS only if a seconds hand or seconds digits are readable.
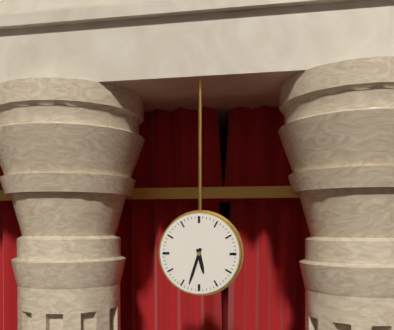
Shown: 5:33
